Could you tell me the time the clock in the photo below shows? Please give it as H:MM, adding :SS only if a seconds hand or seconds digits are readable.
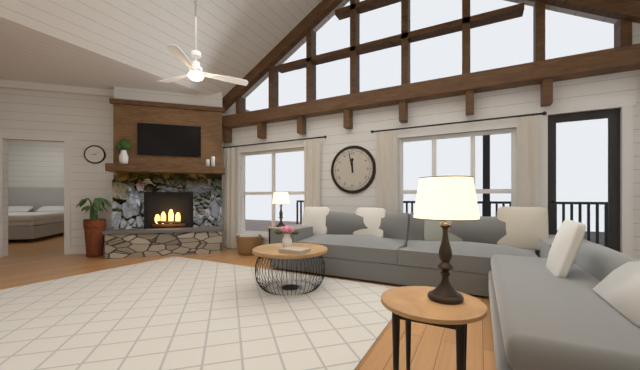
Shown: 11:58
